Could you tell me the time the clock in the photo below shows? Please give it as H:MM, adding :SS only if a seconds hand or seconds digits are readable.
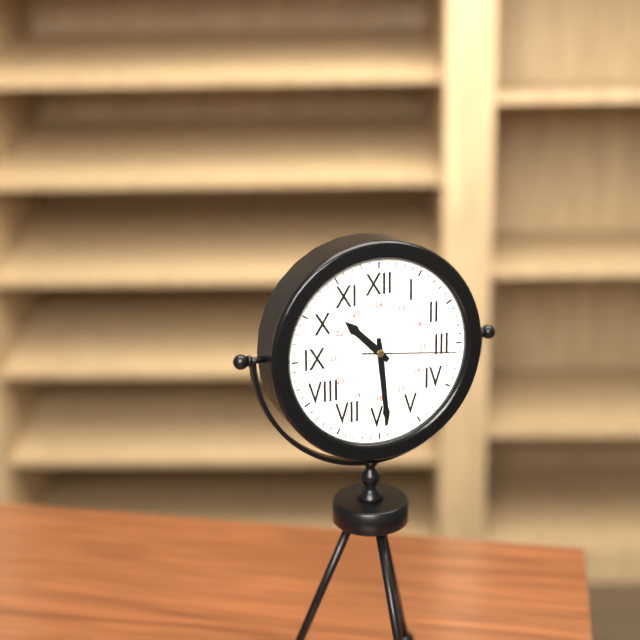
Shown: 10:29:16
